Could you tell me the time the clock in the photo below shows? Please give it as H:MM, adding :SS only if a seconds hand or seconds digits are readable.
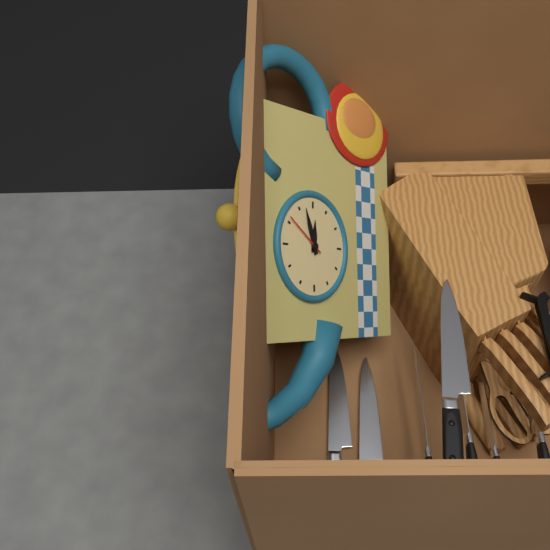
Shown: 3:12
